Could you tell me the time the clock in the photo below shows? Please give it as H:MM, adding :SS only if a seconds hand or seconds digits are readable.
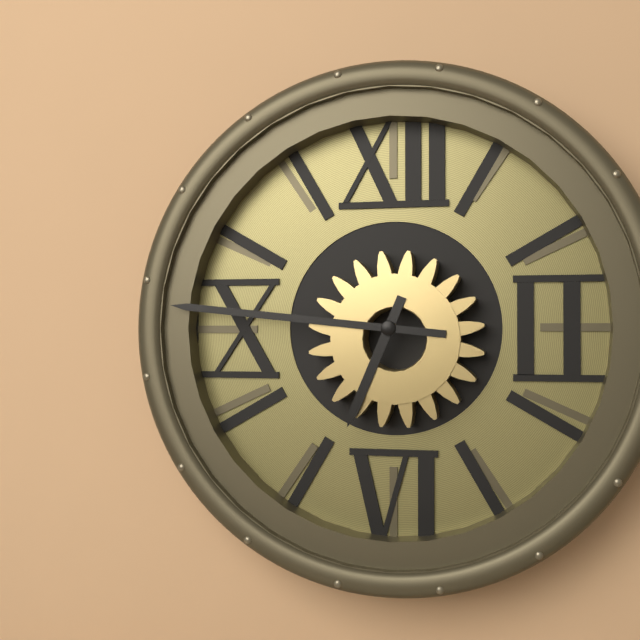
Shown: 6:46
